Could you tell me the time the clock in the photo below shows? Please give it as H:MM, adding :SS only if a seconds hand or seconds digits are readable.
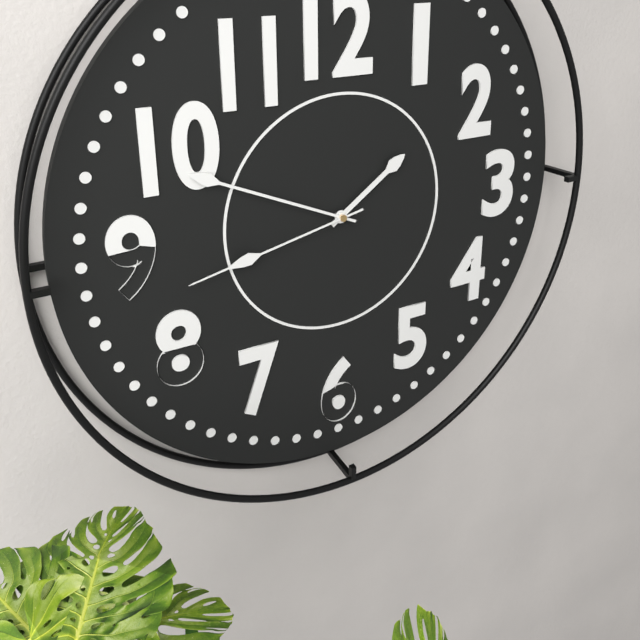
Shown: 1:49:43
